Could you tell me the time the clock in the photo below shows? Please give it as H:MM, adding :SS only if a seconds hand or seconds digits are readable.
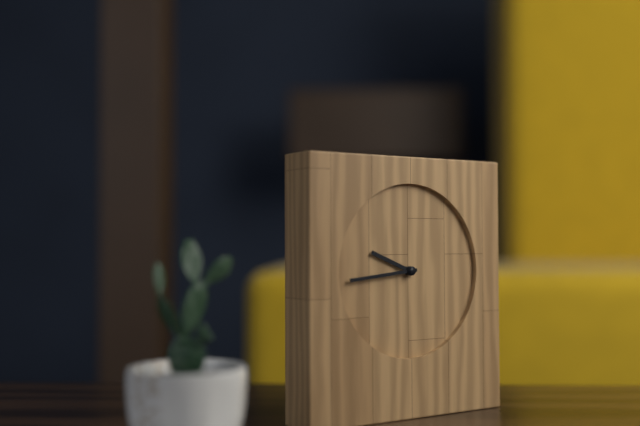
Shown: 9:44
